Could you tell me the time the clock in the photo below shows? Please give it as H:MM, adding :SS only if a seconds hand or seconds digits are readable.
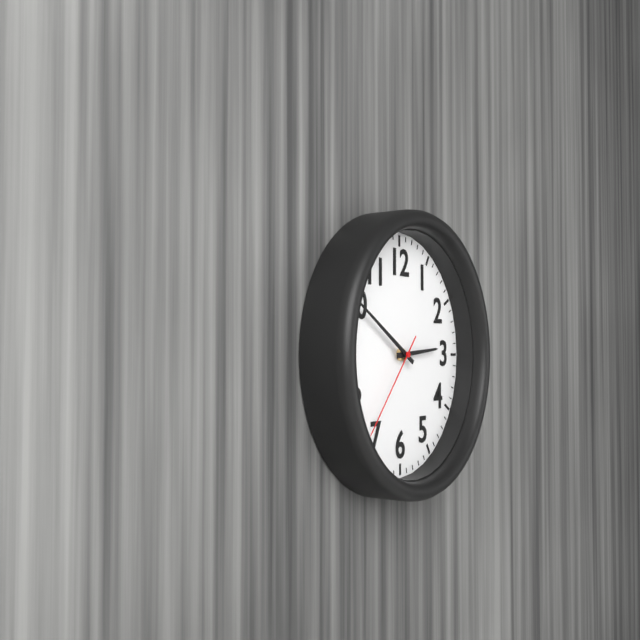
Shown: 2:50:37
